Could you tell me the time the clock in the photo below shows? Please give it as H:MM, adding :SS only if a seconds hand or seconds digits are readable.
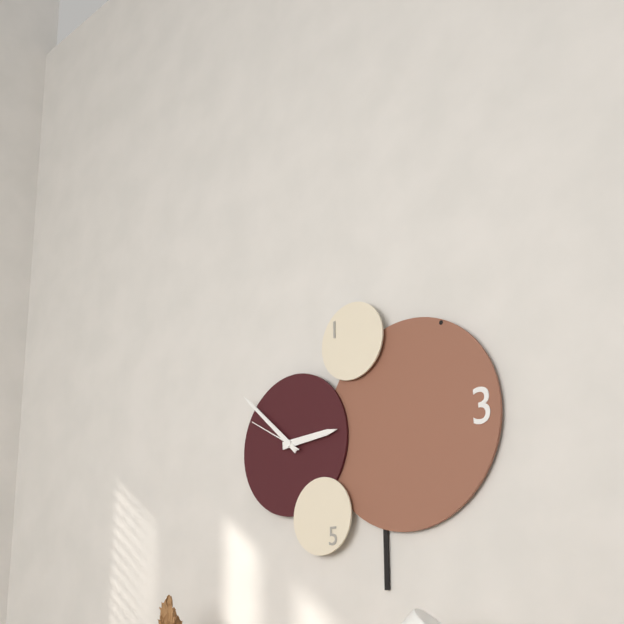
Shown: 2:52:50
